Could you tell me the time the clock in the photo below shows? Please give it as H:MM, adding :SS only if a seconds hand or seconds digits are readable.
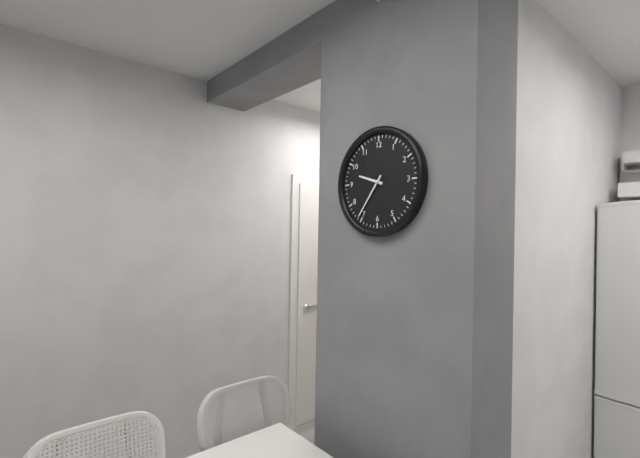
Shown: 9:36
